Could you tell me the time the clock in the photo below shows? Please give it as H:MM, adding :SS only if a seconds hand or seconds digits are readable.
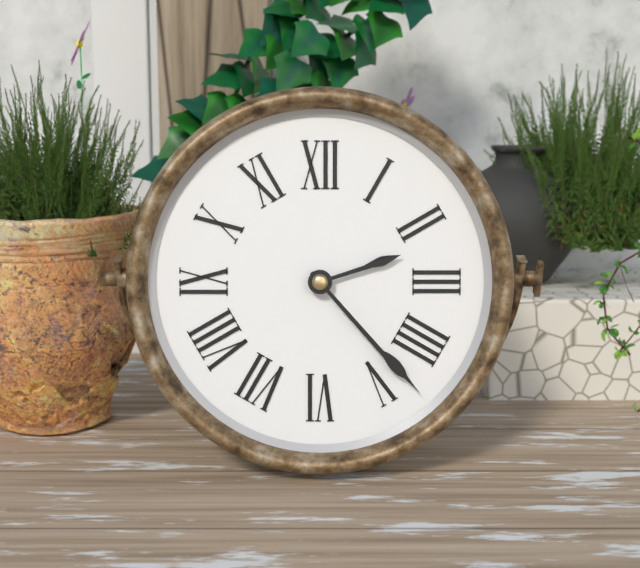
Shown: 2:23
